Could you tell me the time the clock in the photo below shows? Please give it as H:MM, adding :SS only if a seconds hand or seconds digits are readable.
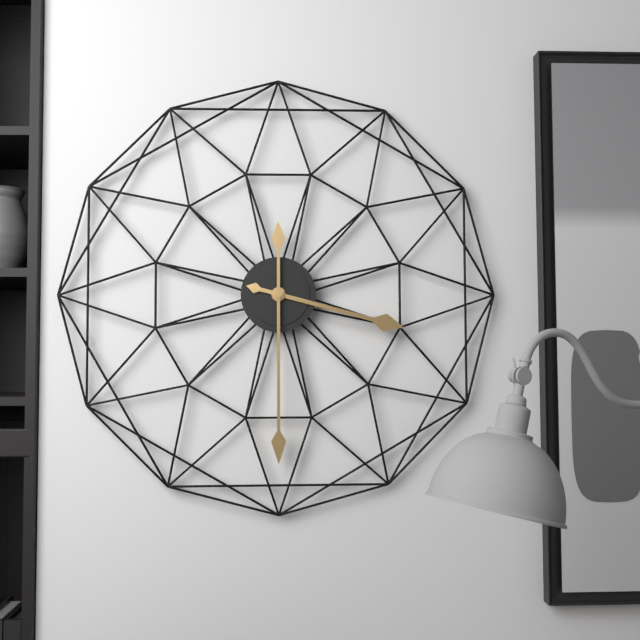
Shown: 3:30
